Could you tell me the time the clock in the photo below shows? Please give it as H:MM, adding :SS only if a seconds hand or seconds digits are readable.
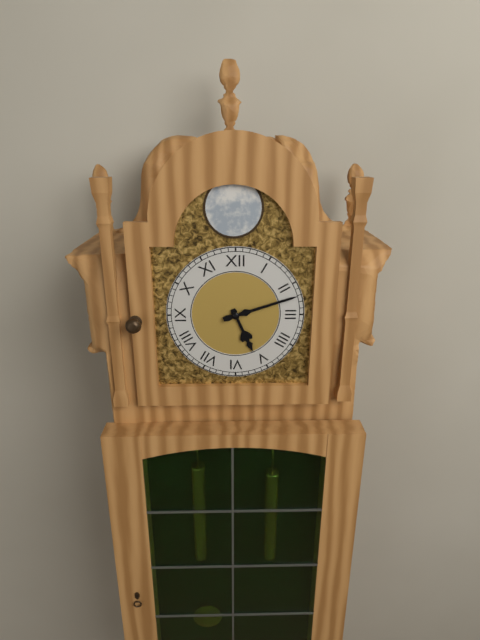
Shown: 5:12
